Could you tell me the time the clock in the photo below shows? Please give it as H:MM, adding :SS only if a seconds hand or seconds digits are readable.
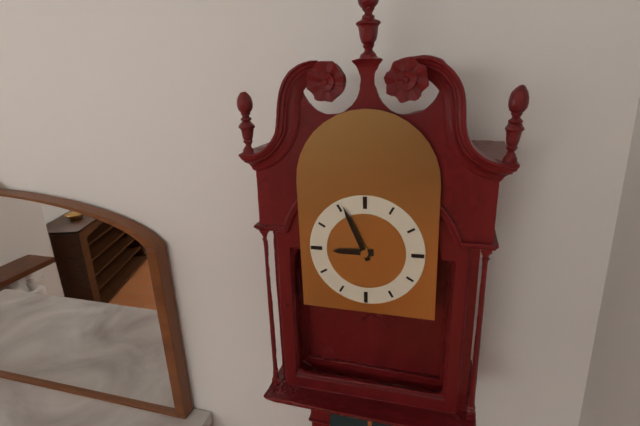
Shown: 8:56
